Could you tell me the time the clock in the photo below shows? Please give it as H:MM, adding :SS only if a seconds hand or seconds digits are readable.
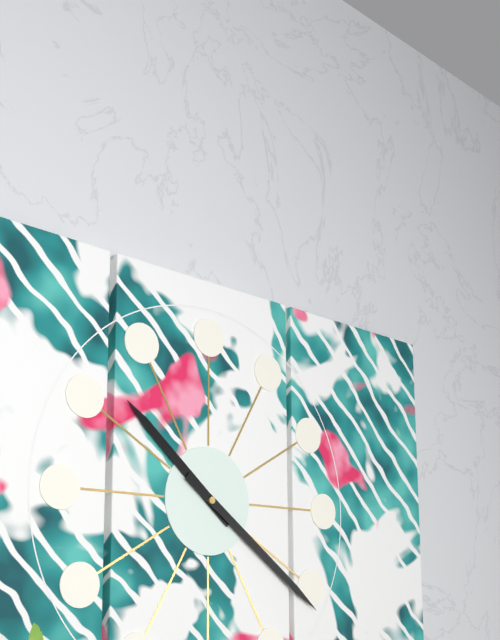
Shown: 10:21
